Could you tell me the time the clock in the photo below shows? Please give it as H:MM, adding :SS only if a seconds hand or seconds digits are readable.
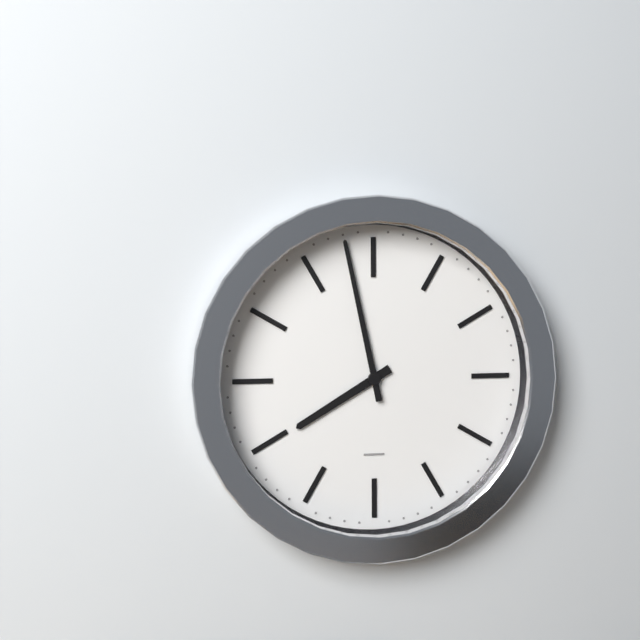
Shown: 7:58
